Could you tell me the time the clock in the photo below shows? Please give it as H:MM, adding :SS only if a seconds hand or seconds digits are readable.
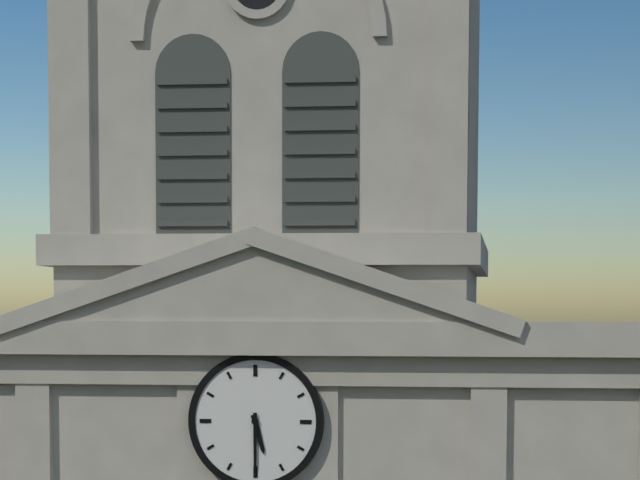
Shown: 5:30
